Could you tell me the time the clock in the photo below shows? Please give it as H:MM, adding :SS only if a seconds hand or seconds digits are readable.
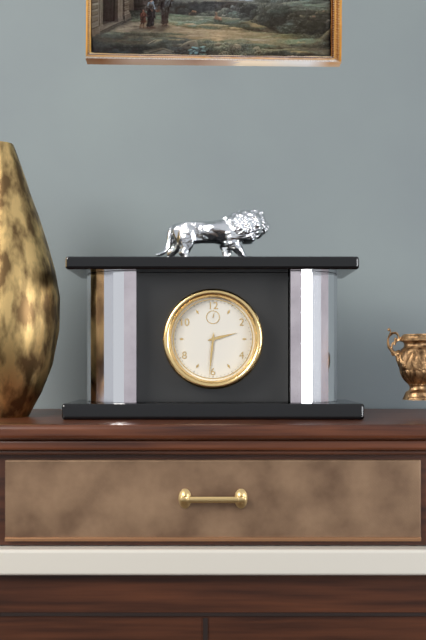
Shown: 2:31
